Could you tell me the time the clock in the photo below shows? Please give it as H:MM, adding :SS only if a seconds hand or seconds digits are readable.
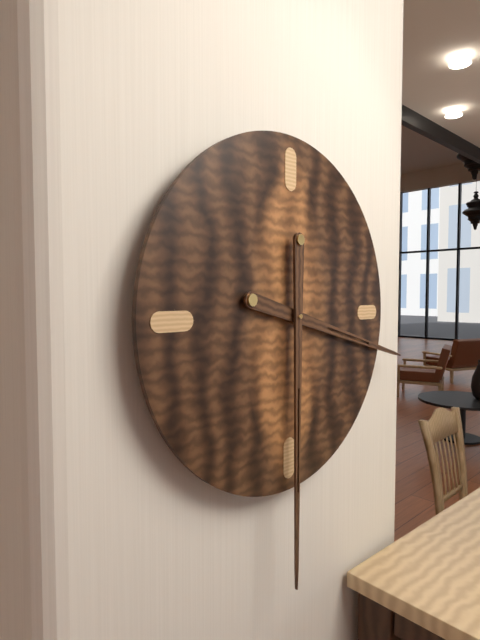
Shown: 3:30
